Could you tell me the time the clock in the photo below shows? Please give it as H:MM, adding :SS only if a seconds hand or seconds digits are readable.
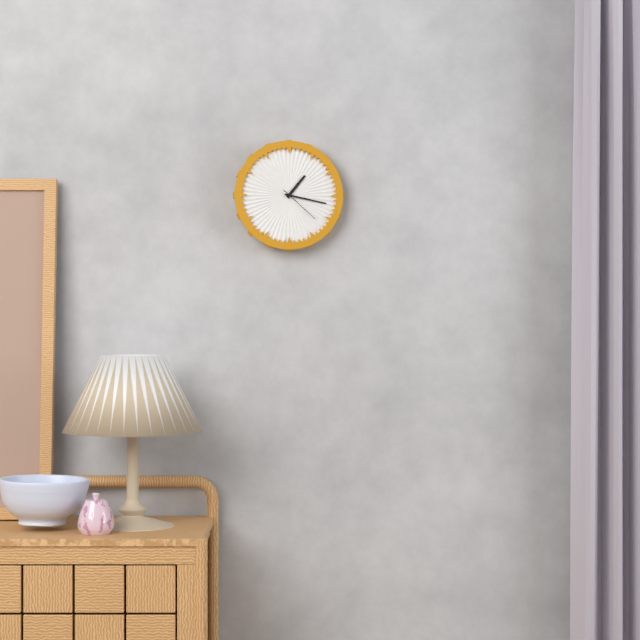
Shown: 1:17
